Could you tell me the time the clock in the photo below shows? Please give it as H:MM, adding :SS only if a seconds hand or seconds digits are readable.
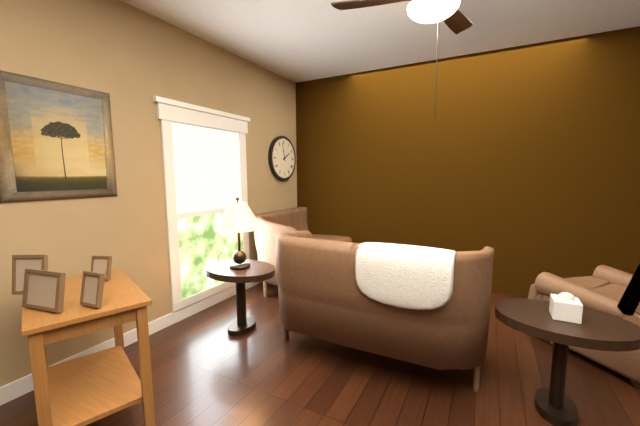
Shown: 1:58
